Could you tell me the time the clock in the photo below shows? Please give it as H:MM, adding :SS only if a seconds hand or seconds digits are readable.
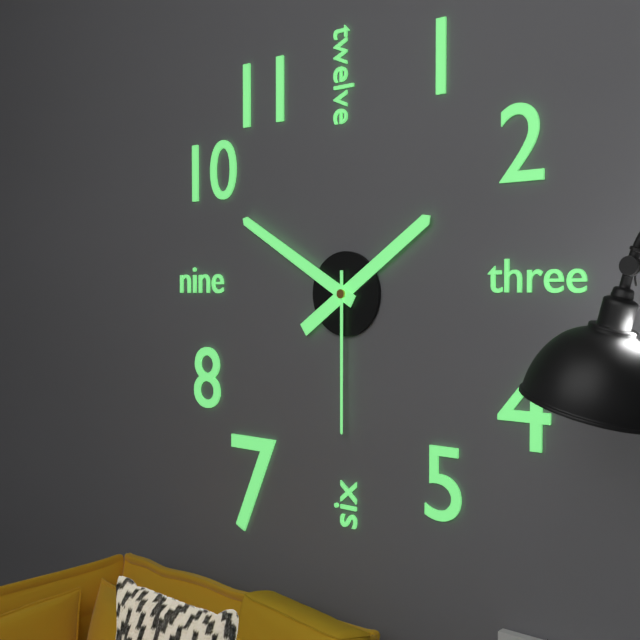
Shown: 1:50:30
